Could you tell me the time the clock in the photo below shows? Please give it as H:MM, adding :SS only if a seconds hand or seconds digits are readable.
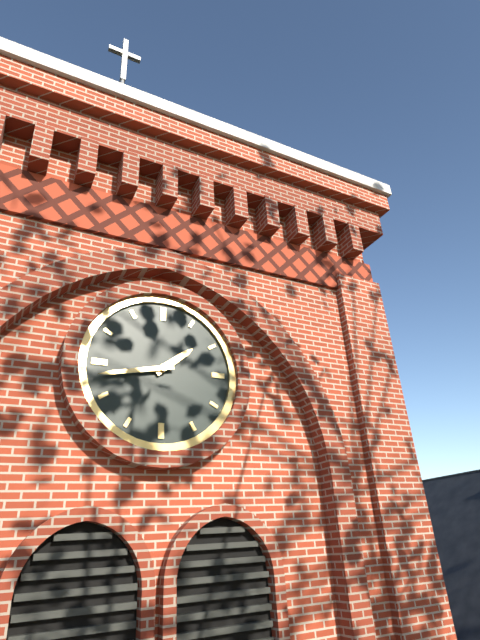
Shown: 1:43
